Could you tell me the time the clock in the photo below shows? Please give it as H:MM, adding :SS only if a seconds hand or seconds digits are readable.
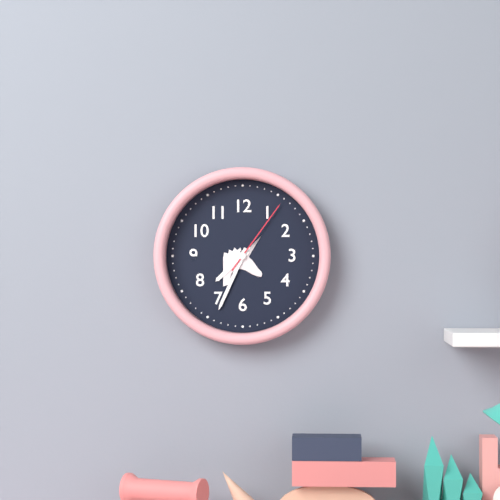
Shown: 7:34:06
